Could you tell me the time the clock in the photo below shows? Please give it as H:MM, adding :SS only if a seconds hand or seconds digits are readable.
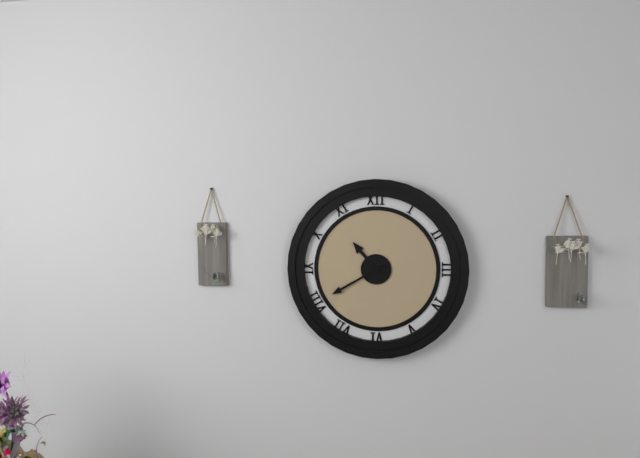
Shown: 10:40
